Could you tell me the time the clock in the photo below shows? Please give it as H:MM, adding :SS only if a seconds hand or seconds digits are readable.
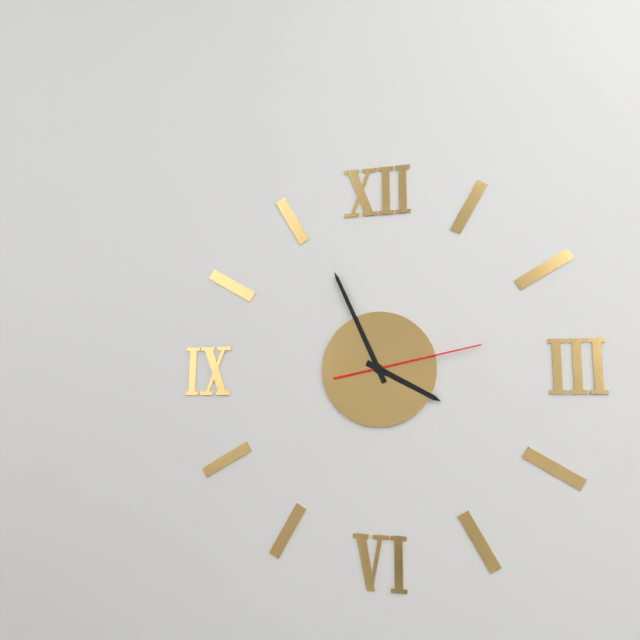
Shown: 3:56:13
